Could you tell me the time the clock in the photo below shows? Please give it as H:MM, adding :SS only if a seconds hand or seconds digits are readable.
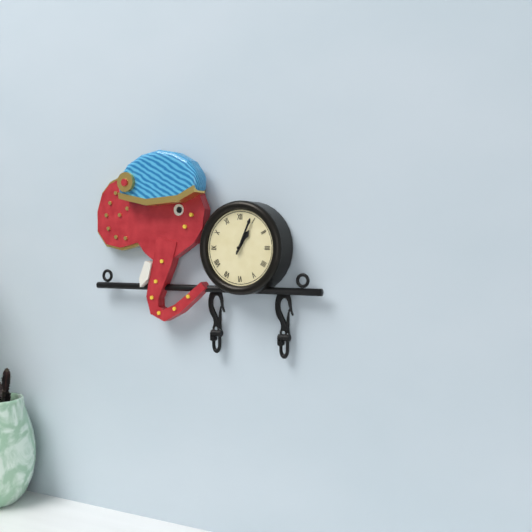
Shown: 1:04
